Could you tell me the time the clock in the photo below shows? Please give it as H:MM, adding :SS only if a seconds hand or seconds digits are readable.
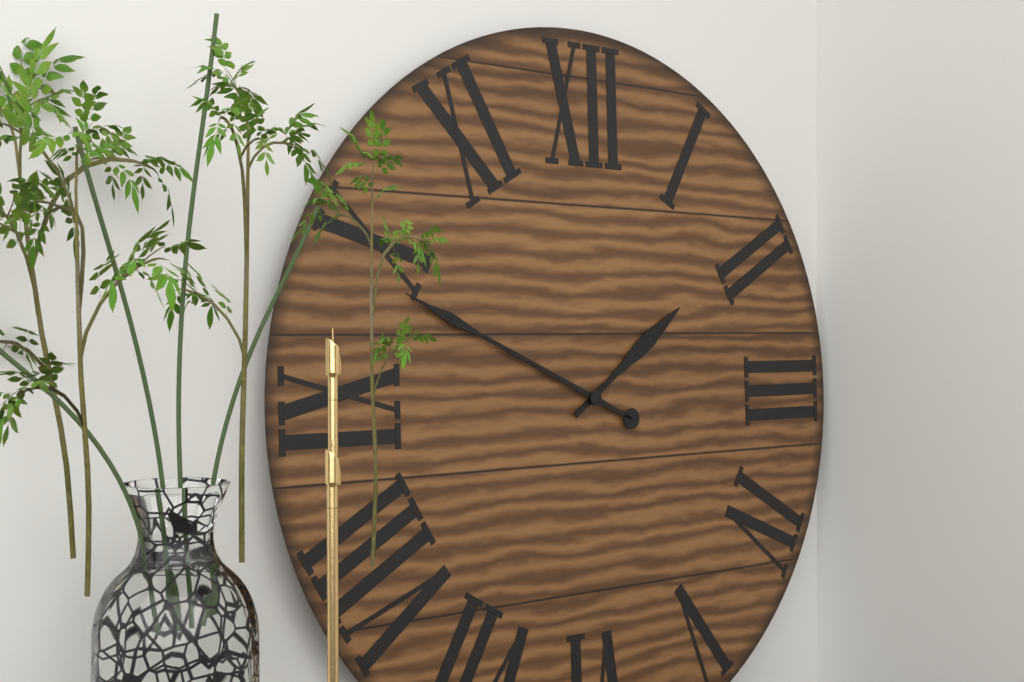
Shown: 1:49
